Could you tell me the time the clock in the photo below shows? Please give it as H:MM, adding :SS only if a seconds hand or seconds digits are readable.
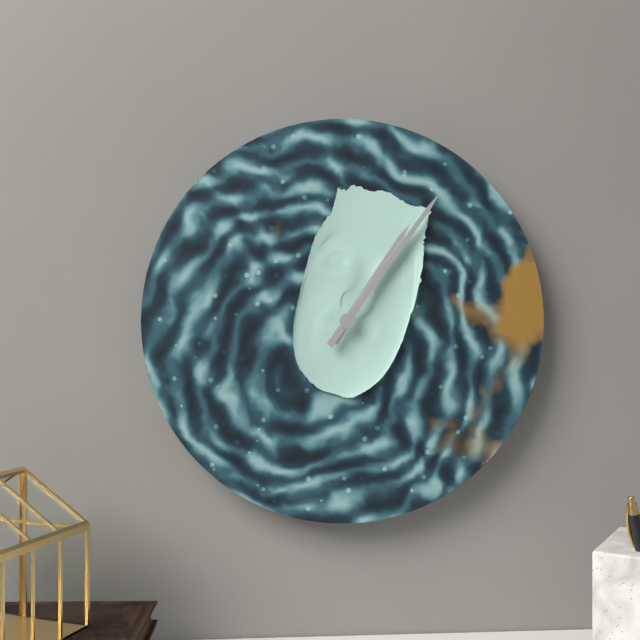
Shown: 1:06
